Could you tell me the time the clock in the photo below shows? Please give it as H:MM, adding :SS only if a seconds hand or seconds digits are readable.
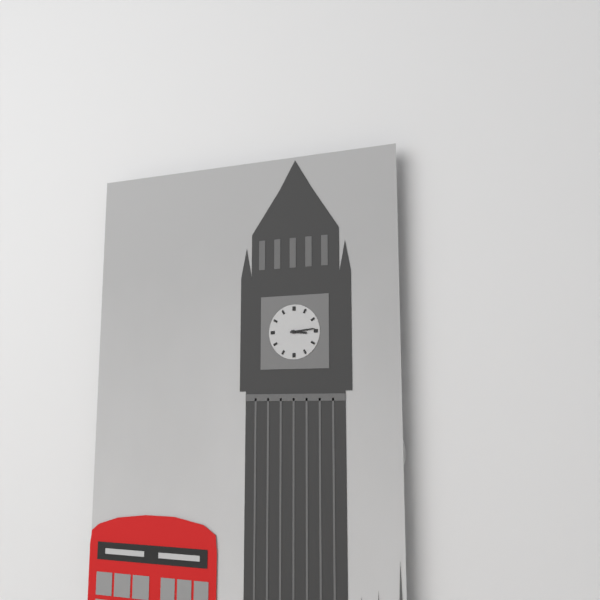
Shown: 3:14
